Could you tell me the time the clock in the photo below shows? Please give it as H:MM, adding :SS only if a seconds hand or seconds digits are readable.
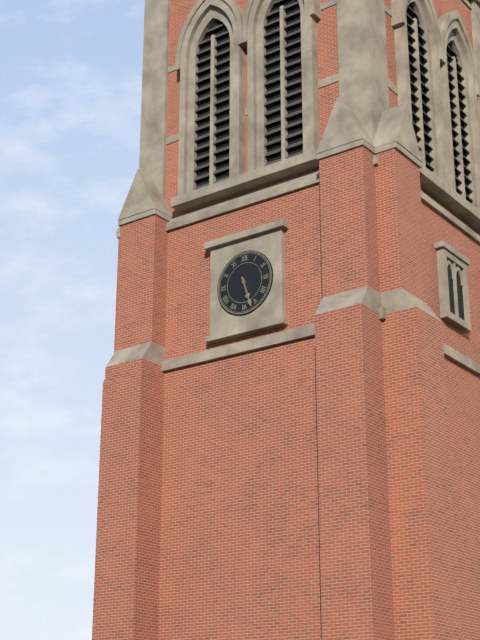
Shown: 5:27
